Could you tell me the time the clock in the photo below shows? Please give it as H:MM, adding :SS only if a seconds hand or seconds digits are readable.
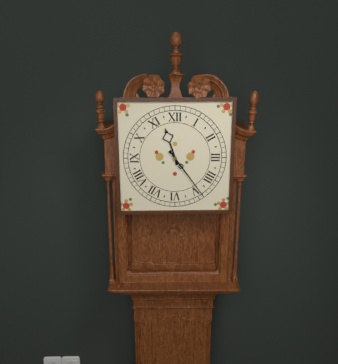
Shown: 11:24
